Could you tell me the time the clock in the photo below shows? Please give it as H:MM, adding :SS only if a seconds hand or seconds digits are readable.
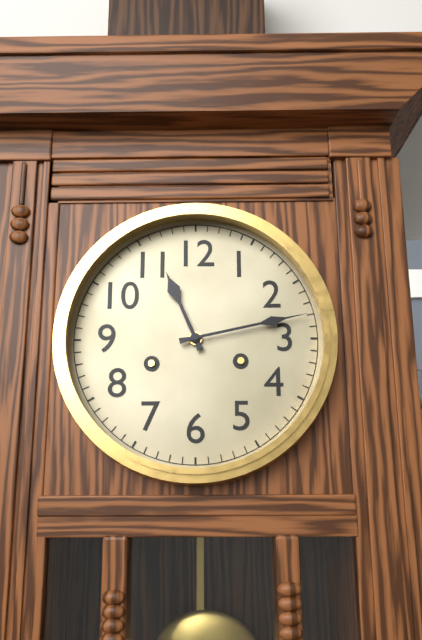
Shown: 11:13
